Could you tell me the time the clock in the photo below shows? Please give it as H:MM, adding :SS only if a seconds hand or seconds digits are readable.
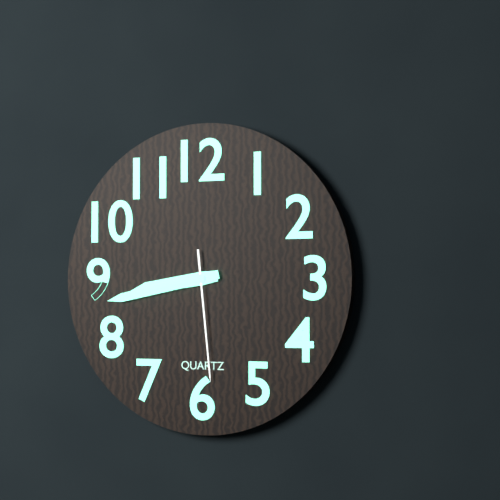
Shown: 8:43:29
